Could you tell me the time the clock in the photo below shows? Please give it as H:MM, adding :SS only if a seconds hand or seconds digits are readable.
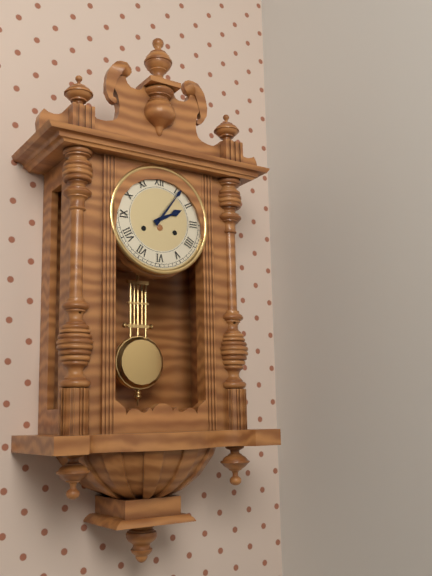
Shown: 2:06
